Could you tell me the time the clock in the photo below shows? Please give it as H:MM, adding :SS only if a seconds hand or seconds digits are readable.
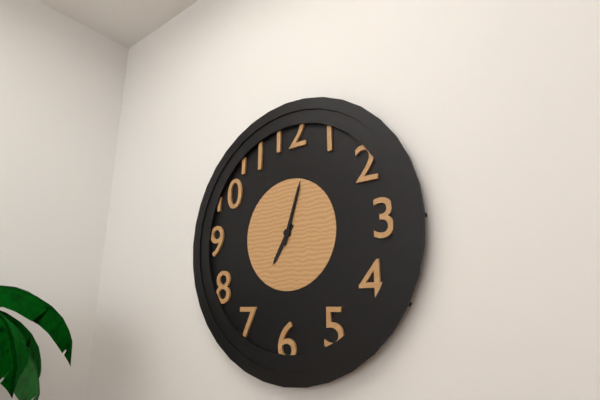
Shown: 7:03
